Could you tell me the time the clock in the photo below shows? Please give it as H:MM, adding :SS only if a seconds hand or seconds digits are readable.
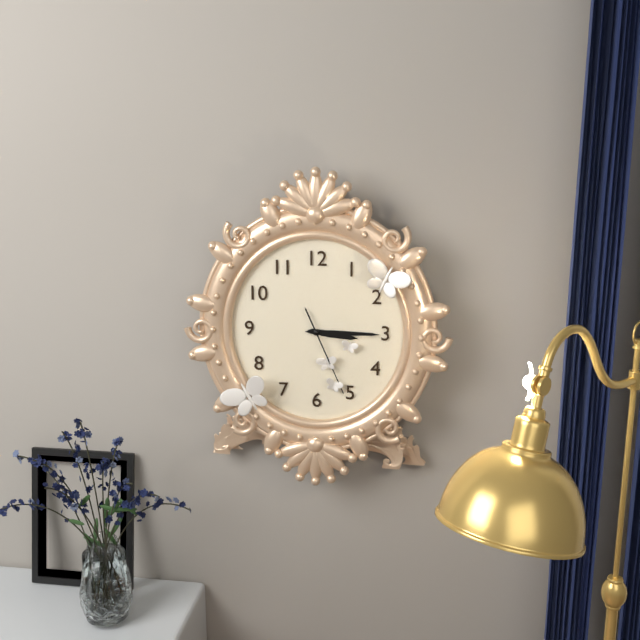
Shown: 3:15:26
